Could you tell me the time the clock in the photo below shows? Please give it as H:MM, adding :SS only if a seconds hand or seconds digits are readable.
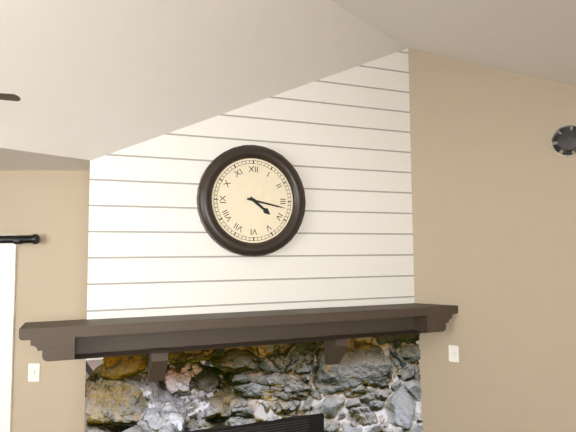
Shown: 4:17
